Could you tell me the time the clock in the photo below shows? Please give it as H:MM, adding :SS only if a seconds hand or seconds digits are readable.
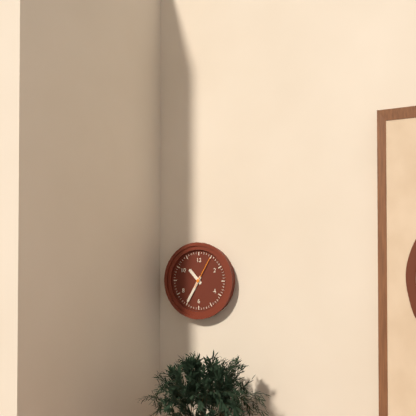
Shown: 10:35
